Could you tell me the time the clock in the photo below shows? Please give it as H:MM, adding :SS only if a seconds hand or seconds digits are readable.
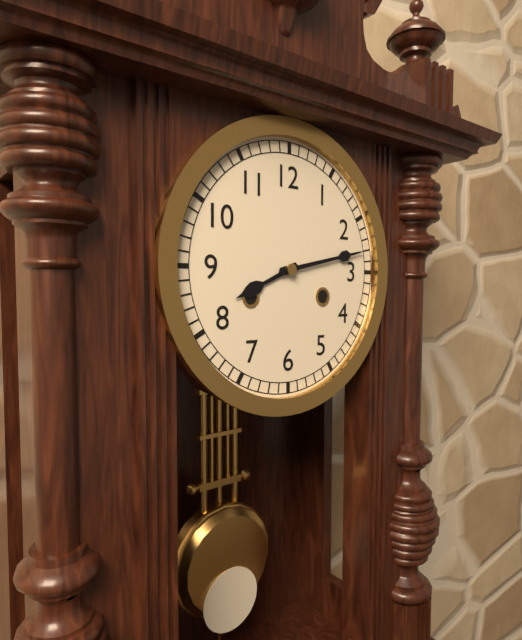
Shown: 8:13
